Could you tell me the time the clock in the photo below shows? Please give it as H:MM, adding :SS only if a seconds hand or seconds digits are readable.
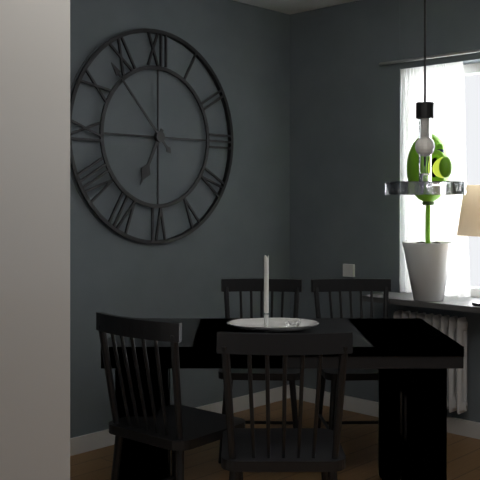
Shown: 6:53
